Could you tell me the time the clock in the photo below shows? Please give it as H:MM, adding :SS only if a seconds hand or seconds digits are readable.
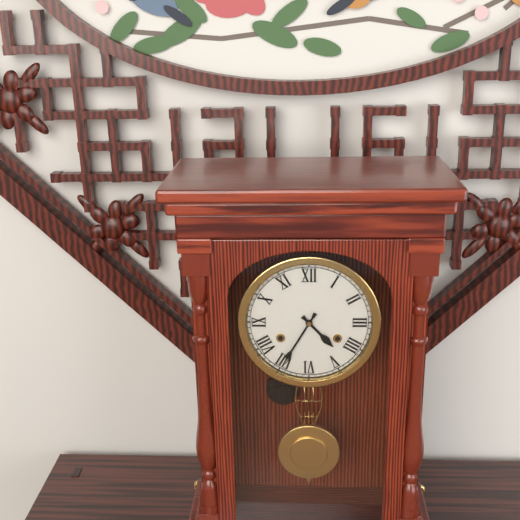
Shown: 4:35
